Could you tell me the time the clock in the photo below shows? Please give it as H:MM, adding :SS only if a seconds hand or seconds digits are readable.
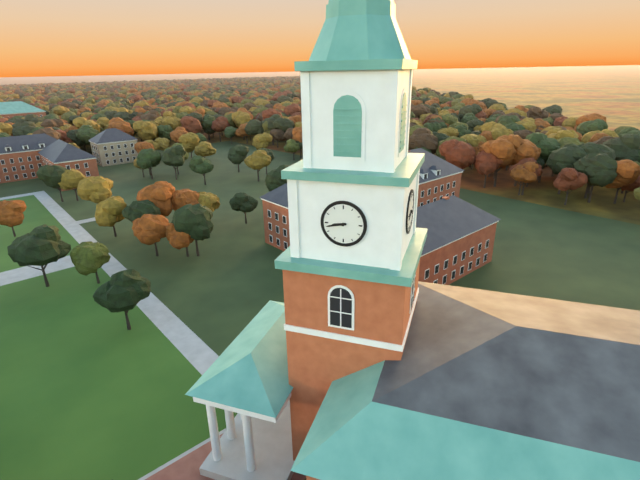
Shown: 8:43
